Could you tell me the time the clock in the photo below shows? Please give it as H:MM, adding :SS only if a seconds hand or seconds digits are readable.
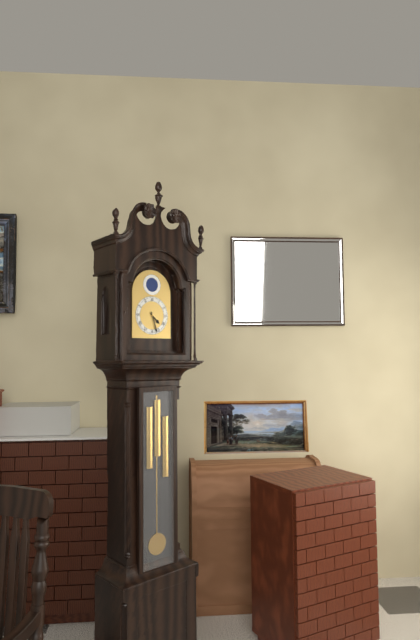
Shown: 4:27
